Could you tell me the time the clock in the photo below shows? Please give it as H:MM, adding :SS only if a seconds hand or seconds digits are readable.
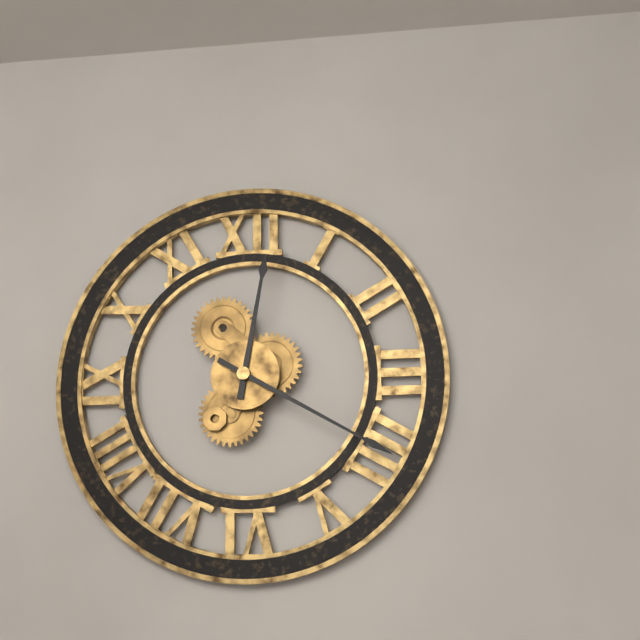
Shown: 12:20
